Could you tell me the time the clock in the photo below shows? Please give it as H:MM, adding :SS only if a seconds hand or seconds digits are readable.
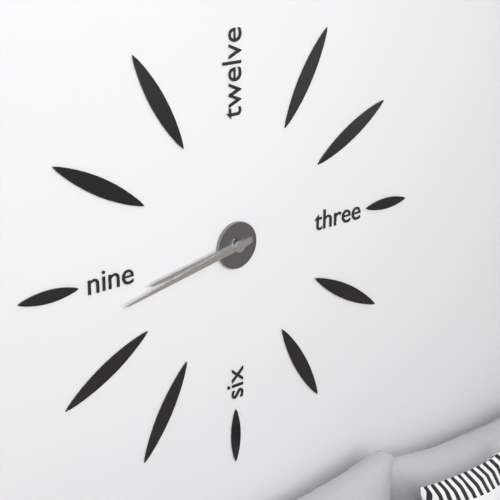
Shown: 8:43
